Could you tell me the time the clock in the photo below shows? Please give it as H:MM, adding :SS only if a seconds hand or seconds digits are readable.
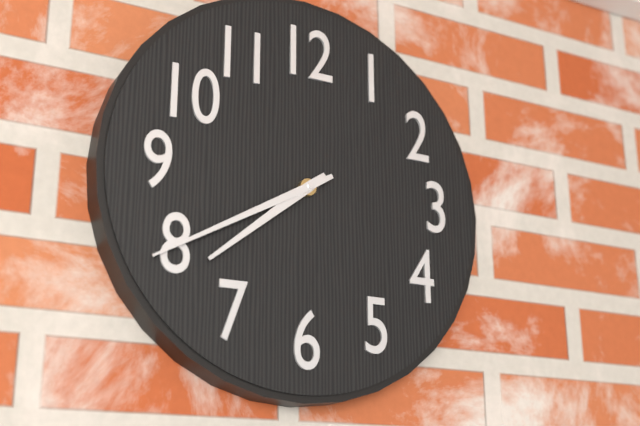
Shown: 7:40
